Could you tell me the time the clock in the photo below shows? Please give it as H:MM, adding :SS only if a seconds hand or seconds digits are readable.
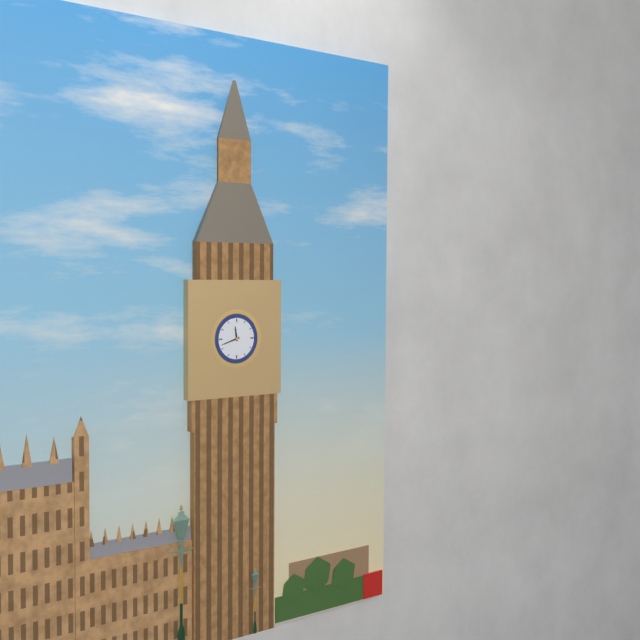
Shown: 11:42
